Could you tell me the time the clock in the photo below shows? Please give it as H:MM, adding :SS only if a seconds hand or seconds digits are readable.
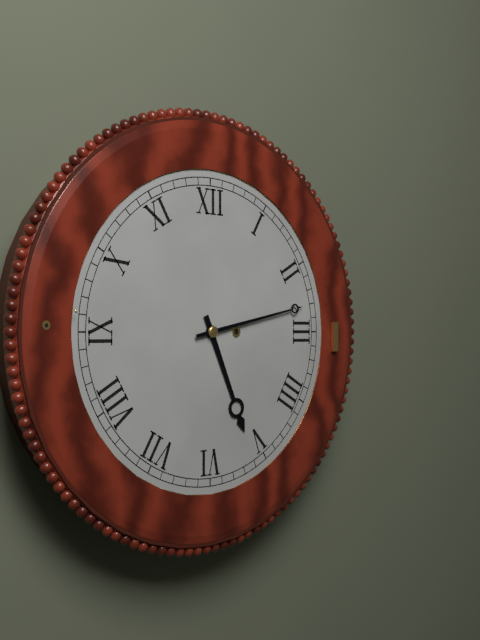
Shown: 5:13
